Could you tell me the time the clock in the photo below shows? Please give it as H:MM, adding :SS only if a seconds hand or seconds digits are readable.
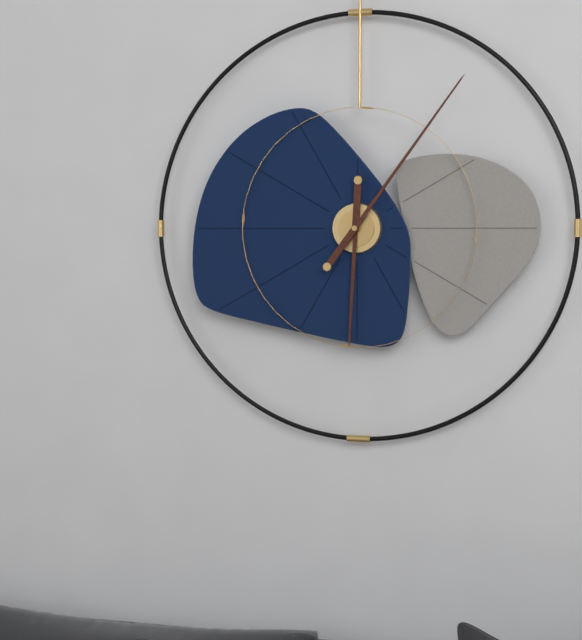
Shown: 6:06
